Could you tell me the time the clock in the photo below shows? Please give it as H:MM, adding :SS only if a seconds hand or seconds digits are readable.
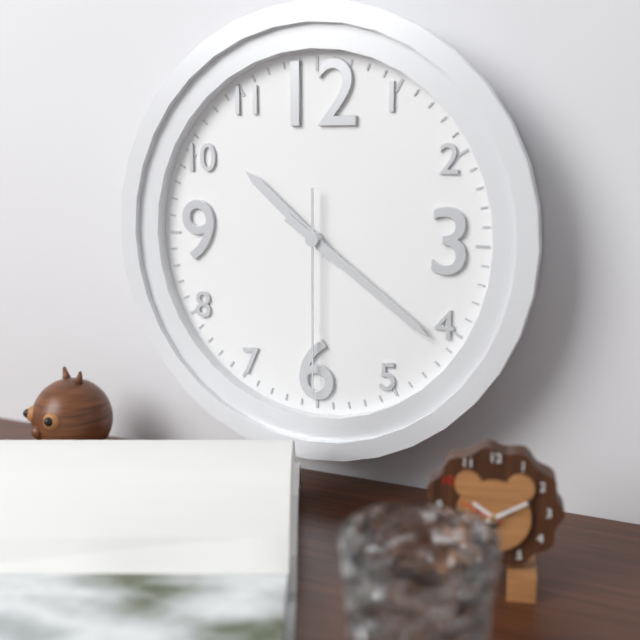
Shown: 10:21:30
